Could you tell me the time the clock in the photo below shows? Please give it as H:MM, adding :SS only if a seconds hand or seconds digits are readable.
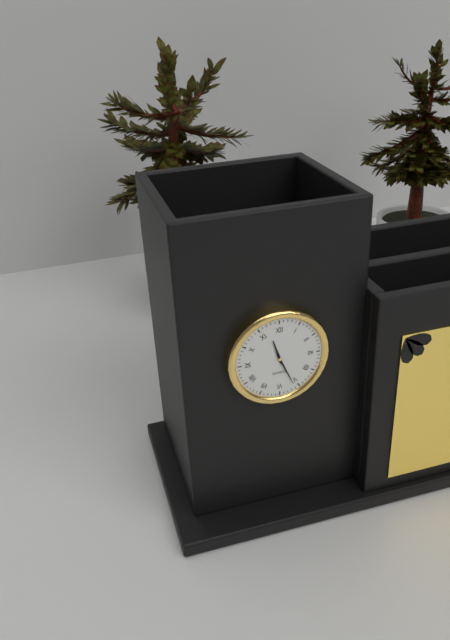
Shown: 11:26
